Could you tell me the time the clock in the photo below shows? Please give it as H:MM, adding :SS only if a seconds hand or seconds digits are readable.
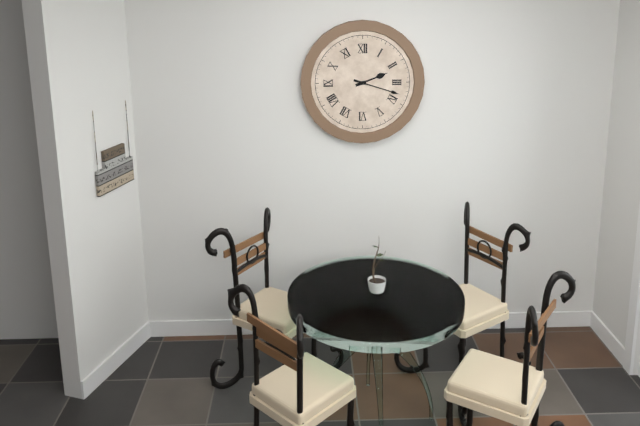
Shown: 2:18
